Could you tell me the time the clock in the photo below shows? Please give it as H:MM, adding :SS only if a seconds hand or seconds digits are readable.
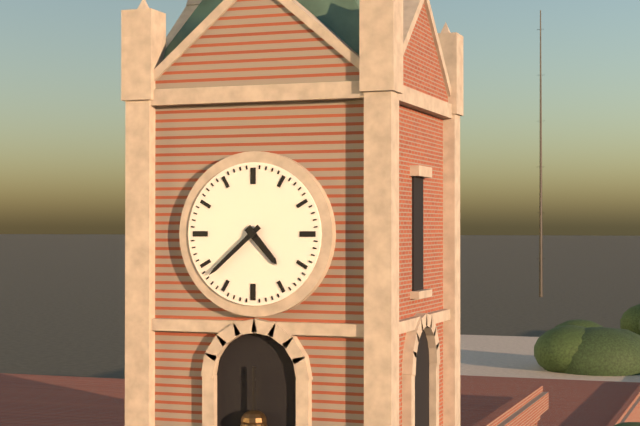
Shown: 4:38
